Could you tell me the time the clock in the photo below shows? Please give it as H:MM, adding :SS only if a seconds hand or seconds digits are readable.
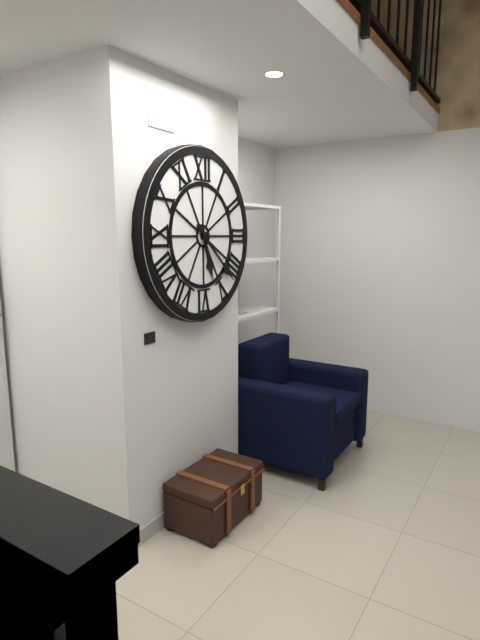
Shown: 5:22
